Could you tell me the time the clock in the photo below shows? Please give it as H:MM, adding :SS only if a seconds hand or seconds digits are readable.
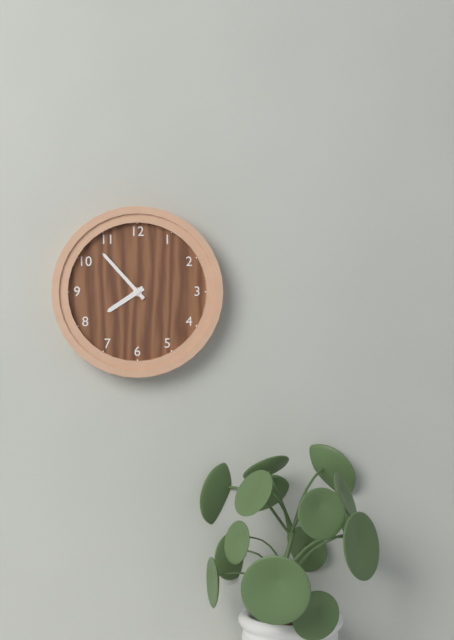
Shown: 7:53
